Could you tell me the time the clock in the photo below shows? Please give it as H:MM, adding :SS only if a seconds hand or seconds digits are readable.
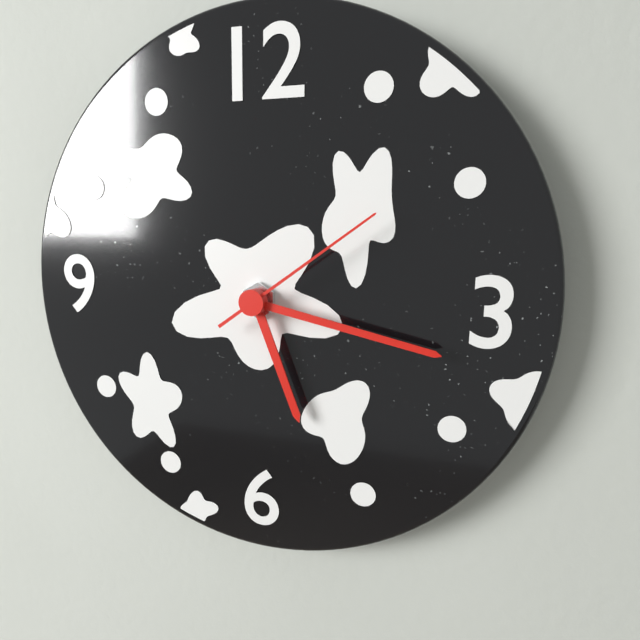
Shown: 5:17:09
